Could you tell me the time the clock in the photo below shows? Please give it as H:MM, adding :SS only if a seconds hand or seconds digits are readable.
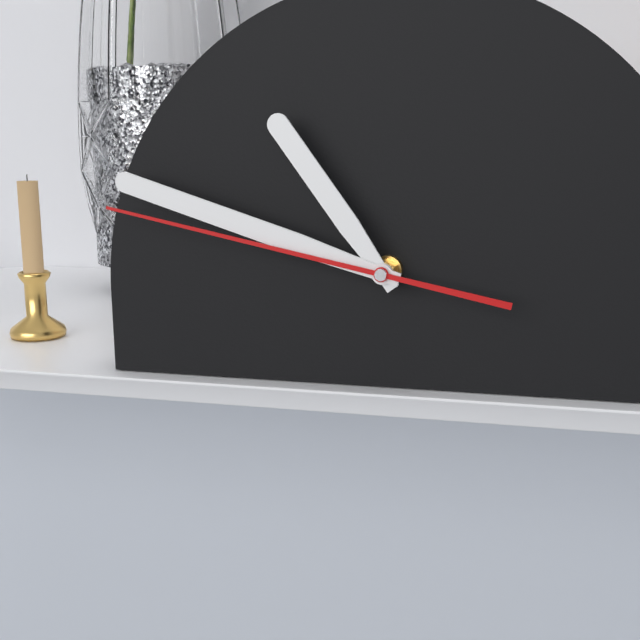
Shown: 10:48:47
